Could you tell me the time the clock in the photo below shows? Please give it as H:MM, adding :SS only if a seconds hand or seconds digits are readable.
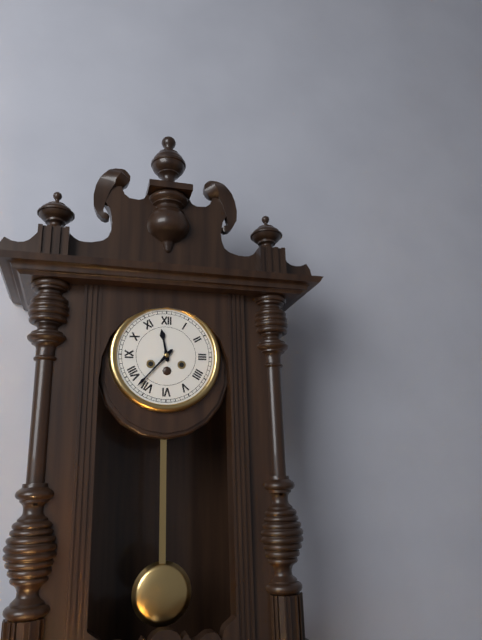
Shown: 11:37
